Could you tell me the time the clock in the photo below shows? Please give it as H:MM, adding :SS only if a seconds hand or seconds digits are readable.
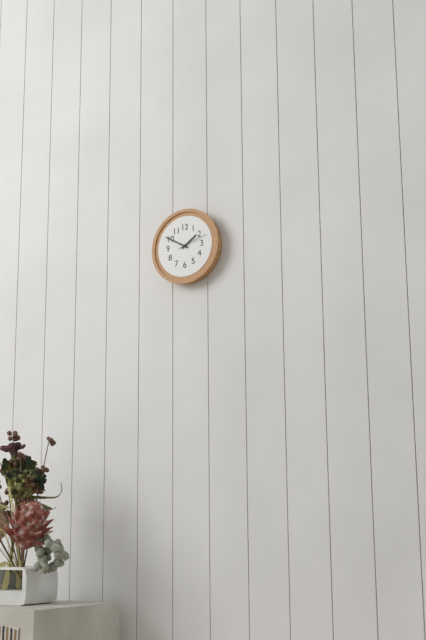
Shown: 1:50
